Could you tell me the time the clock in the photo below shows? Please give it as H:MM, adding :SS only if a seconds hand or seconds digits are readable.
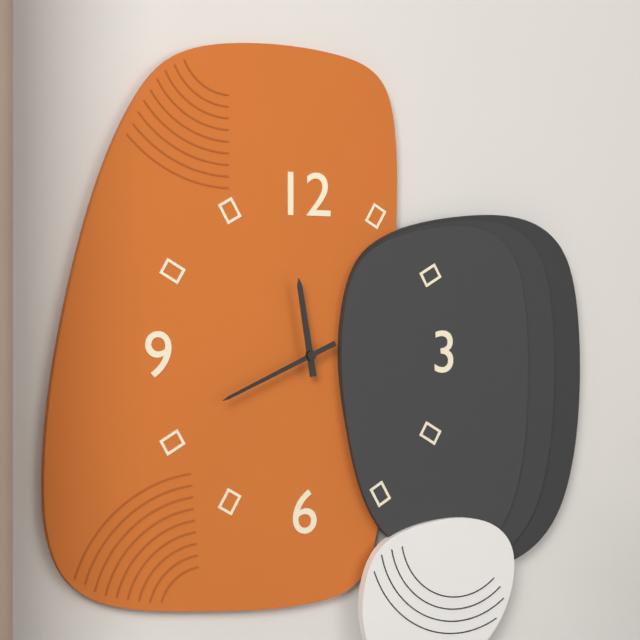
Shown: 11:41
